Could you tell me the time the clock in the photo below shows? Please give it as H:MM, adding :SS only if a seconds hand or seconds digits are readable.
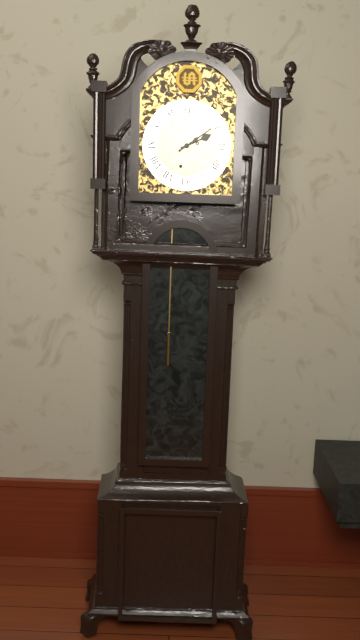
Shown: 2:09
